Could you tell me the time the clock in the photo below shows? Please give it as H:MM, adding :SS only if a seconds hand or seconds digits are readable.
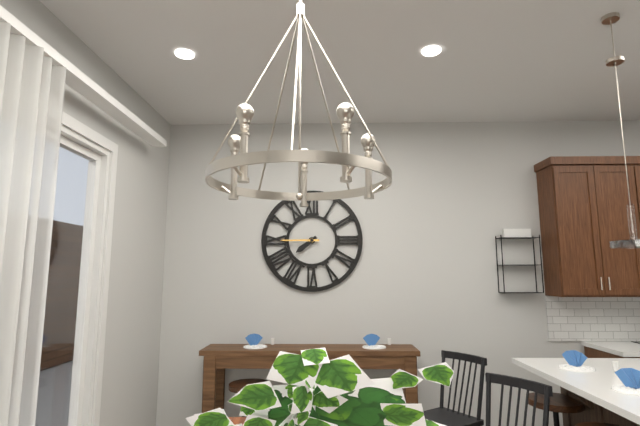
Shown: 7:45
